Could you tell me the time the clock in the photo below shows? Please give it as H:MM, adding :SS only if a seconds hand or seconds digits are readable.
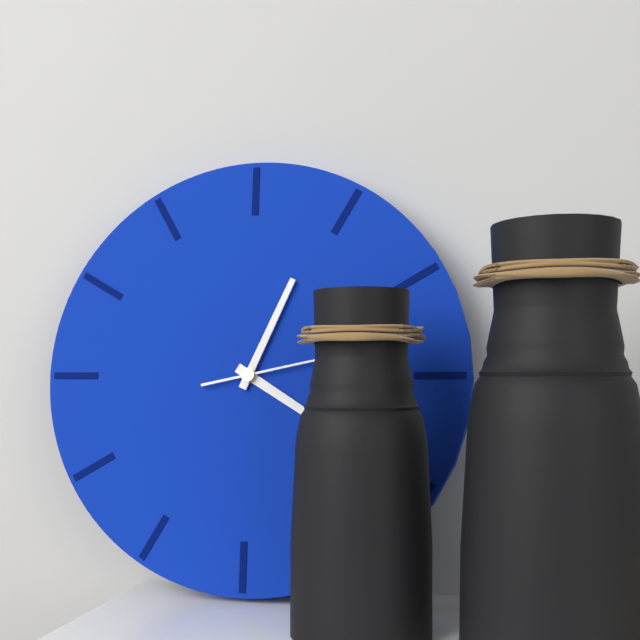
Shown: 4:04
